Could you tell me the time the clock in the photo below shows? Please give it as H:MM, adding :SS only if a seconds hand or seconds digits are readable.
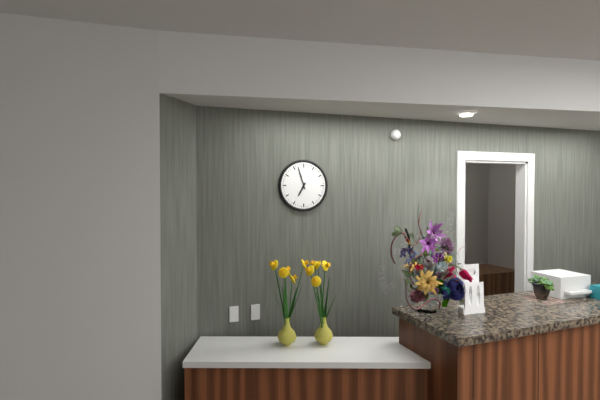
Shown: 6:57
